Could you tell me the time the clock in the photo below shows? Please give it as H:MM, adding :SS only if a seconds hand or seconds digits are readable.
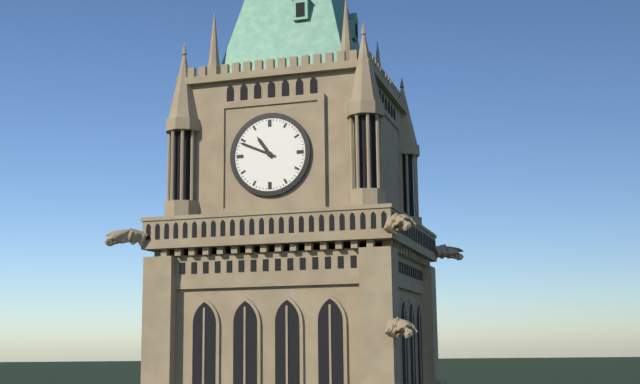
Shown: 10:49
